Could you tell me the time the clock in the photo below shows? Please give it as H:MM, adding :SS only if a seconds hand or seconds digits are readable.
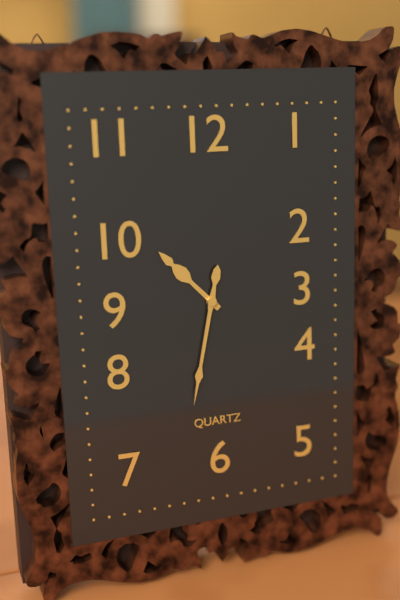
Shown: 10:32
